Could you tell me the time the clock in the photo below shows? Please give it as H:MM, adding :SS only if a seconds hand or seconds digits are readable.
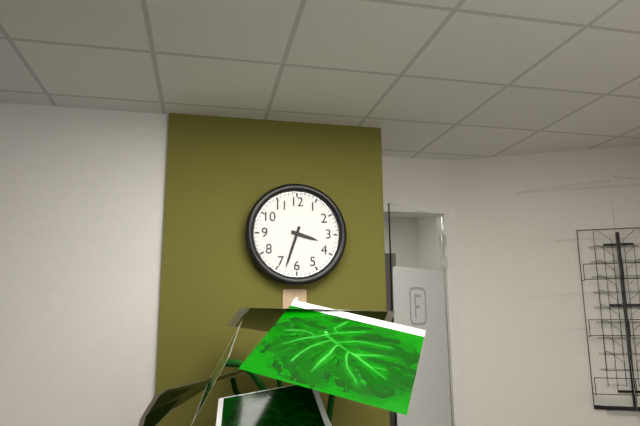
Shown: 3:33
